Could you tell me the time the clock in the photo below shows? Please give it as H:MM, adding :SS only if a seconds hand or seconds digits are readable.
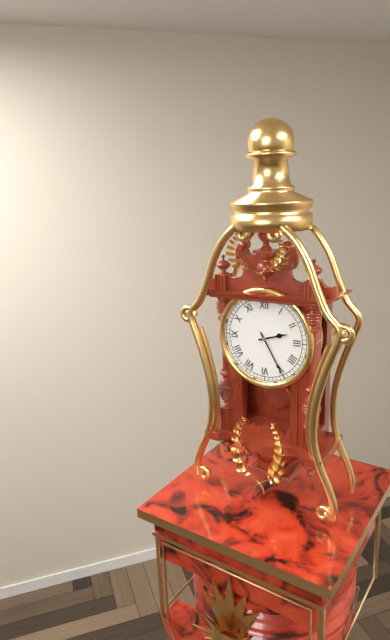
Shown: 2:25
